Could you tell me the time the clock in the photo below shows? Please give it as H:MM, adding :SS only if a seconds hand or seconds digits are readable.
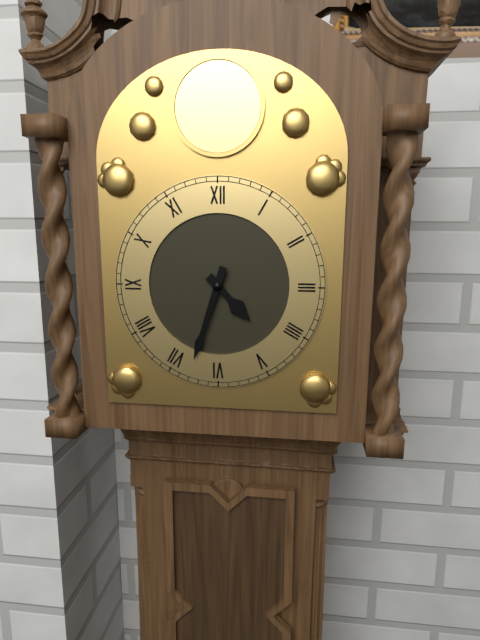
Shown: 4:33
